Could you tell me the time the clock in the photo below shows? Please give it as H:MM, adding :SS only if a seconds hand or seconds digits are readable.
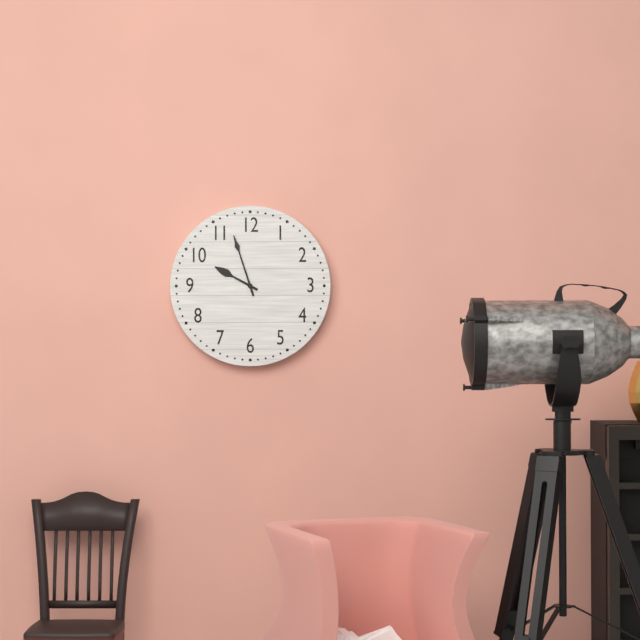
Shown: 9:57
